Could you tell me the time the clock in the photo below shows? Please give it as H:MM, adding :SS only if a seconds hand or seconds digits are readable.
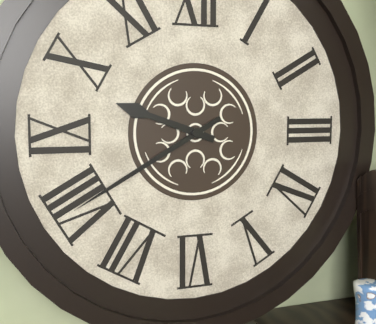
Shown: 9:40
